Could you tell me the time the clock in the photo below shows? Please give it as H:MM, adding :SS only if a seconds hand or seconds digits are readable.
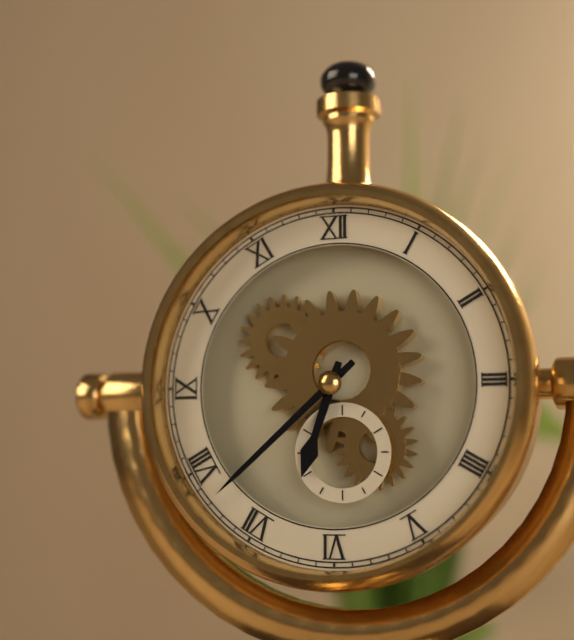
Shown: 6:38
